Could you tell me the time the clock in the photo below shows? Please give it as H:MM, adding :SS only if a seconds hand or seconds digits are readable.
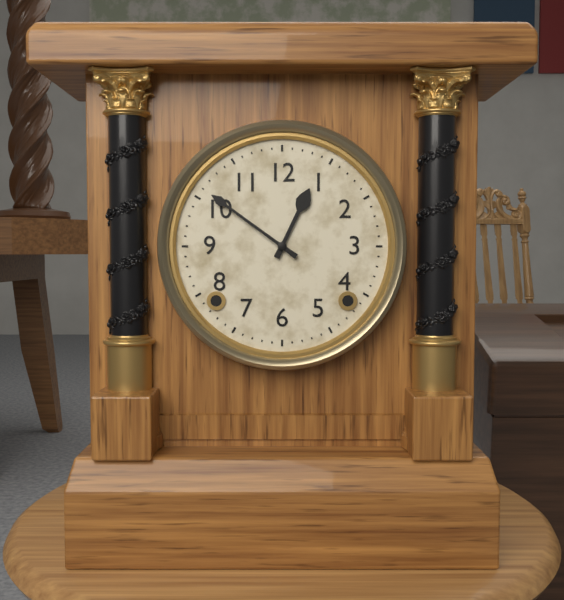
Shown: 12:51
